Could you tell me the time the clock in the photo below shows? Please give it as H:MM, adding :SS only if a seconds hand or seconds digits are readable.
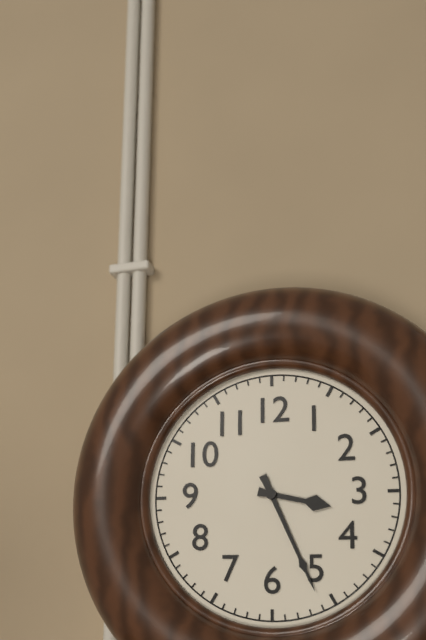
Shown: 3:26
